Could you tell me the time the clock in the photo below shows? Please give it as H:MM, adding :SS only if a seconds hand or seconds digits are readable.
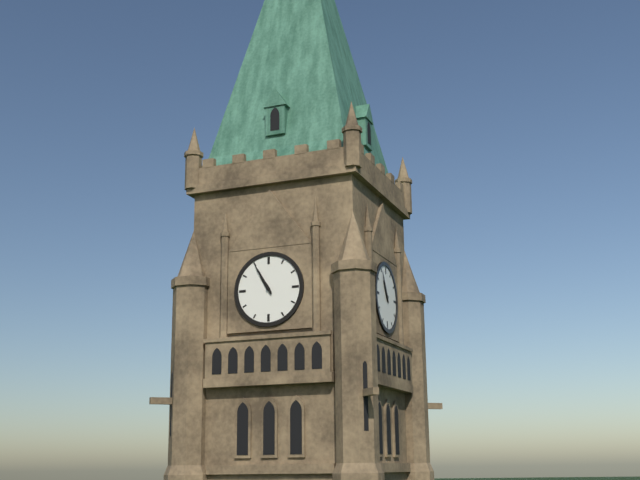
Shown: 10:55
